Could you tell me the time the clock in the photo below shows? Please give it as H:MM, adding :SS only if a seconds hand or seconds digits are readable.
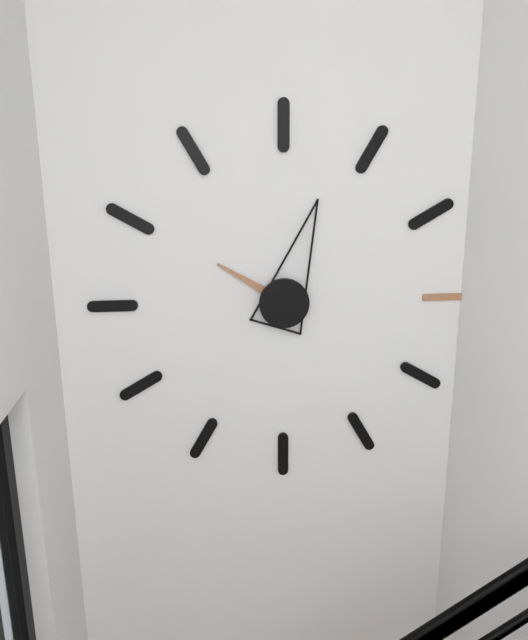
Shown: 10:03
